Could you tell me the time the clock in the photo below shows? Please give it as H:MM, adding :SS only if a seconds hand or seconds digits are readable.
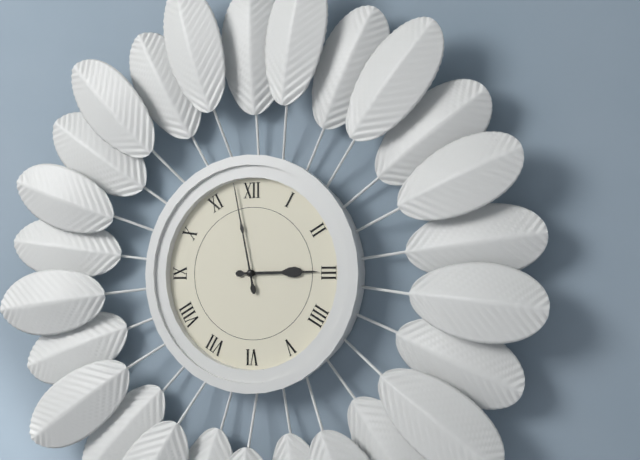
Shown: 2:58
